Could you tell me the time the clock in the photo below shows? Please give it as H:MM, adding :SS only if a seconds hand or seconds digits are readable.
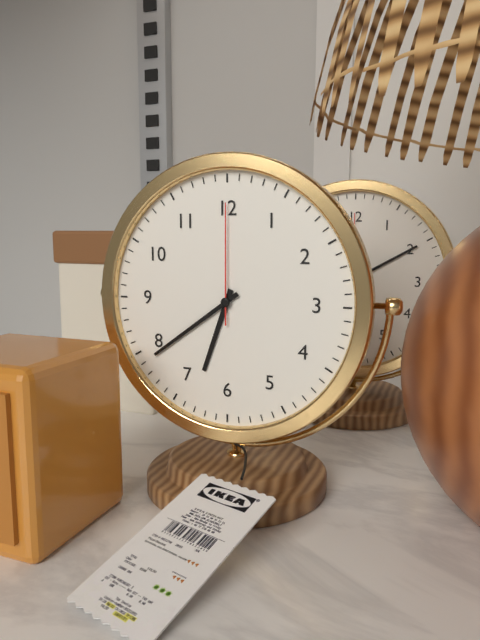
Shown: 6:39:00
